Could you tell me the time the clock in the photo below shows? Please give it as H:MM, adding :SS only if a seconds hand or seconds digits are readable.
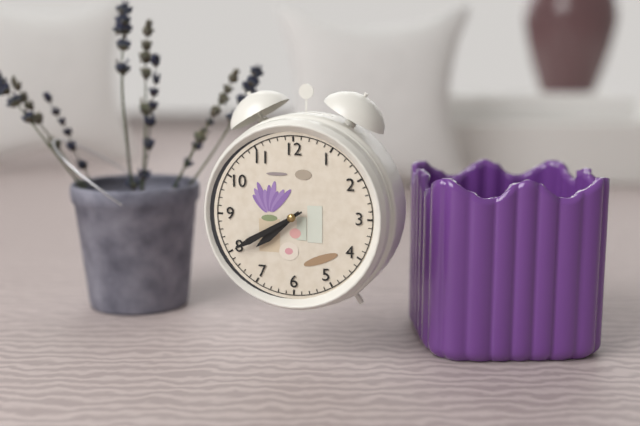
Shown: 7:40
